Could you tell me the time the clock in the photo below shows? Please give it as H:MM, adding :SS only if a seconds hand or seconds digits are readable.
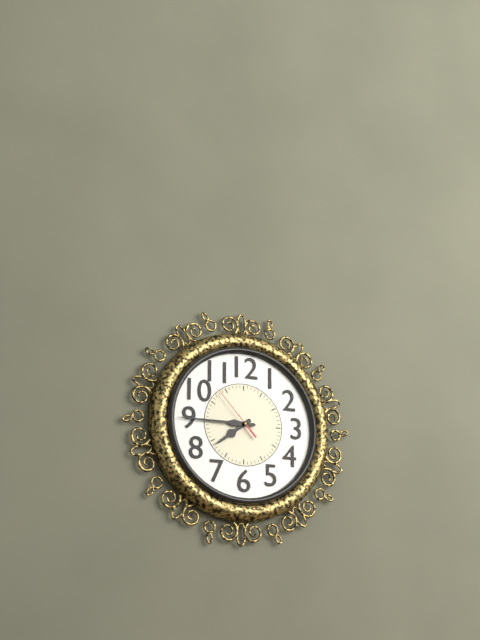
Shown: 7:45:53
